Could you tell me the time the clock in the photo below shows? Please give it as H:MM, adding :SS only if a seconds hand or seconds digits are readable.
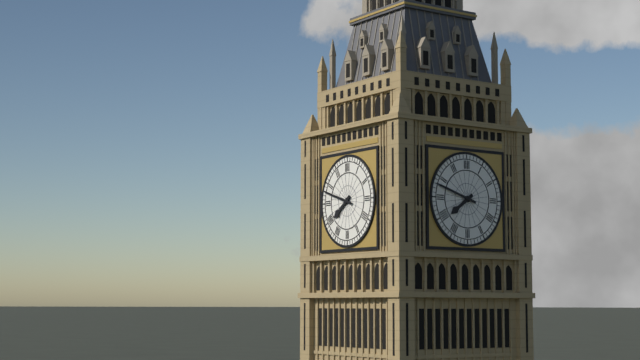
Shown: 7:48
